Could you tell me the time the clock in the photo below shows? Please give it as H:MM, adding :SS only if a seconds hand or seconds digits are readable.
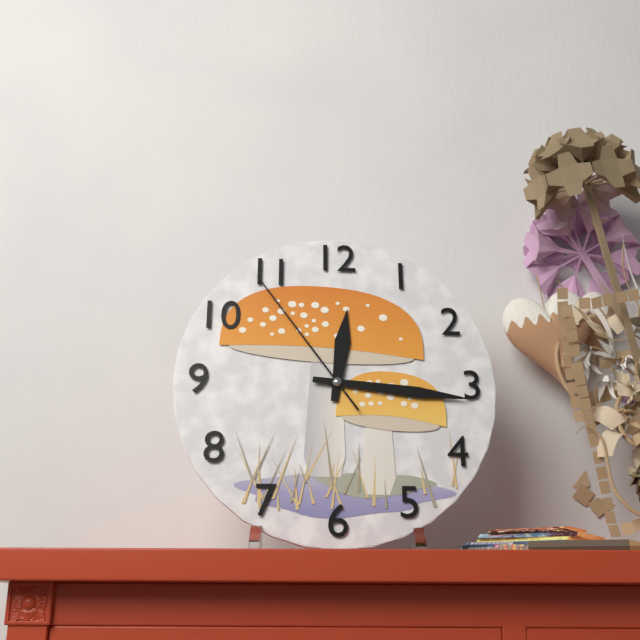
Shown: 12:16:54
